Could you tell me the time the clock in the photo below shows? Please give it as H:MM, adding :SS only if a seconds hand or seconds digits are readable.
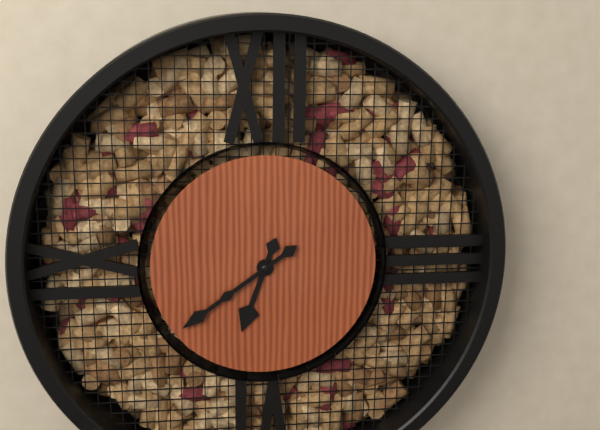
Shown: 6:39
